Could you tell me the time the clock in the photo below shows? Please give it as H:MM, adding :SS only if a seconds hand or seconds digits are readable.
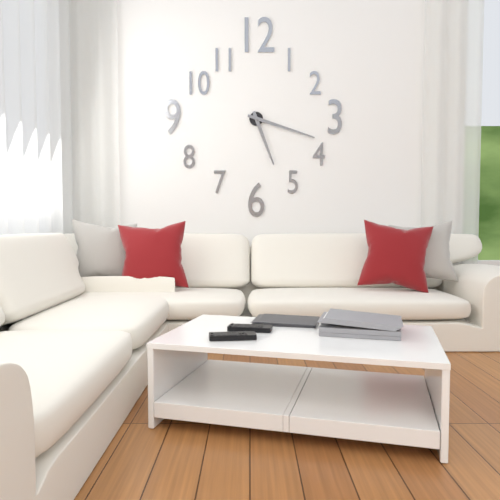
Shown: 5:18
